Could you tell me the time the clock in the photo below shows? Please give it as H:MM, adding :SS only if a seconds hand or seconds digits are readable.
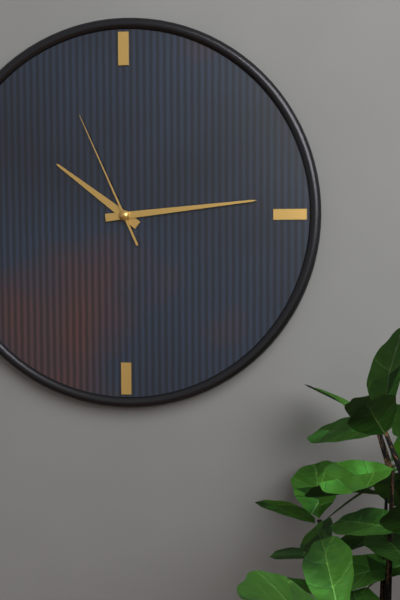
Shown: 10:14:56
